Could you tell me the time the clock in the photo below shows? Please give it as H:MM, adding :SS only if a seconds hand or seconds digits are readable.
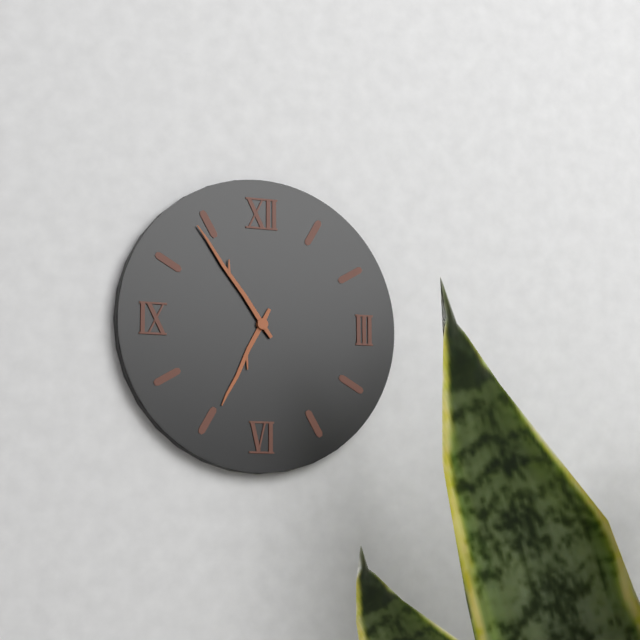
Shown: 6:54
